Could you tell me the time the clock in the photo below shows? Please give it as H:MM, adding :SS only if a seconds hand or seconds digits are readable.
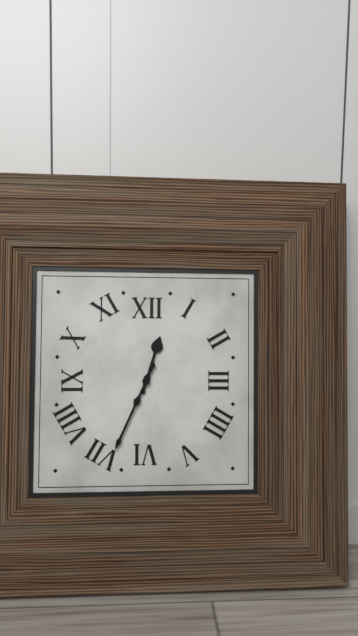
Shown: 12:34
